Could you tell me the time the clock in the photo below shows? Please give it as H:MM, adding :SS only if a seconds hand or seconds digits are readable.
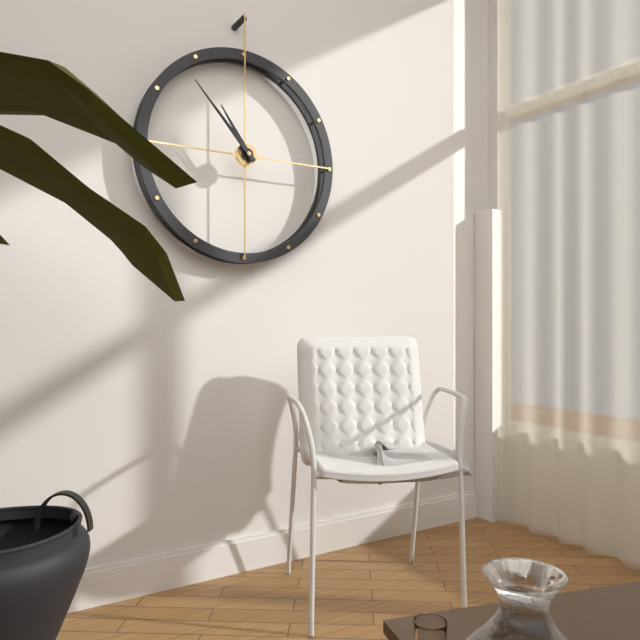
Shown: 10:53
